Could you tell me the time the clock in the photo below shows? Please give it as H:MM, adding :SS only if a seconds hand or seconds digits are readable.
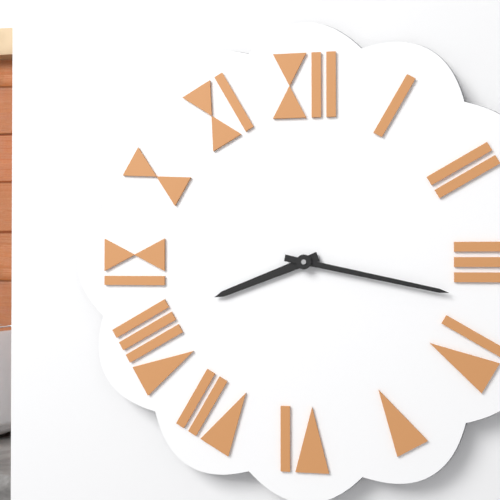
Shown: 8:17
